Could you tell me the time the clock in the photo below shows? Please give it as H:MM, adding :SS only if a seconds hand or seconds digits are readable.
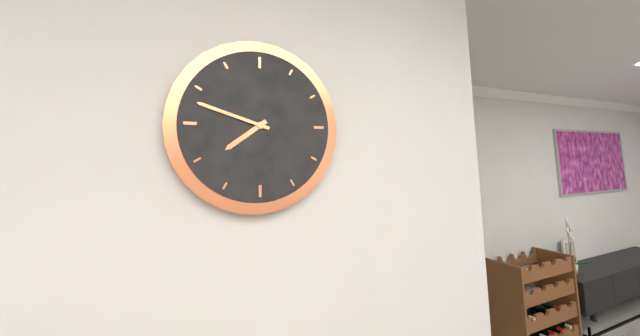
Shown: 7:48
